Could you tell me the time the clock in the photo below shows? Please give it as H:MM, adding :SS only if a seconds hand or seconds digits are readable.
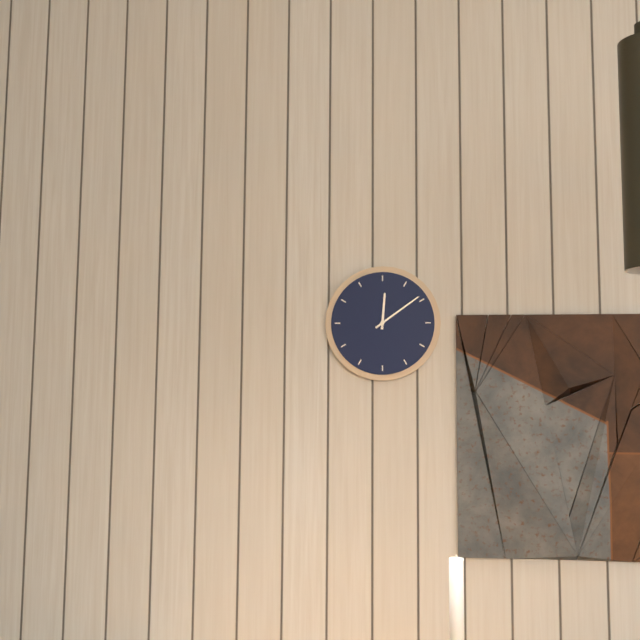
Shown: 12:09
